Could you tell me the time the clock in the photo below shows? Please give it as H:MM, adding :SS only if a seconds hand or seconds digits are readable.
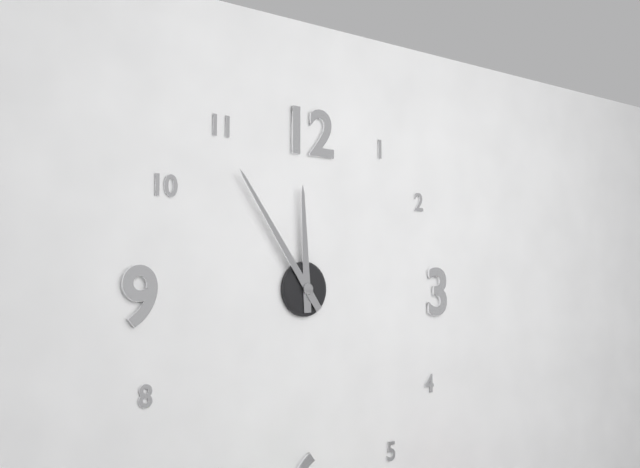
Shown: 11:54
